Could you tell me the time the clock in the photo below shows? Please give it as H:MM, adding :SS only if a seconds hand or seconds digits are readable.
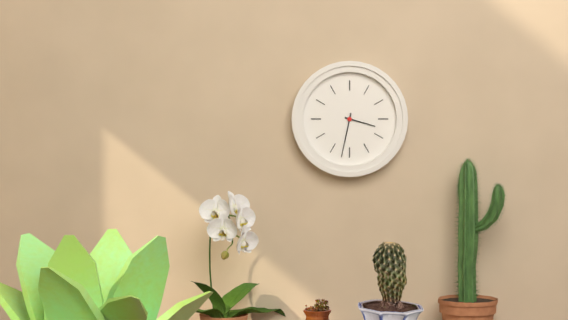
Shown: 3:32
